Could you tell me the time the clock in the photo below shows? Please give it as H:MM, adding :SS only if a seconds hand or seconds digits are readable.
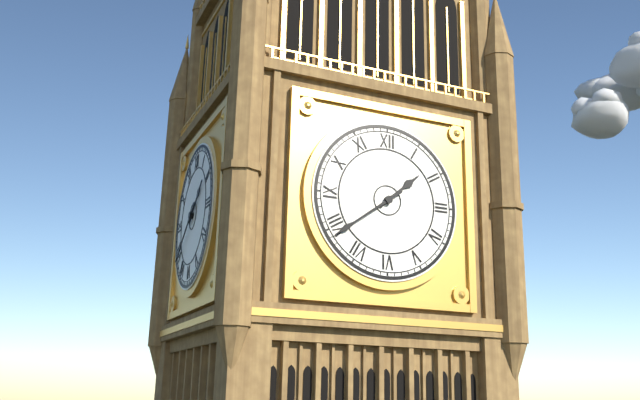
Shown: 1:39
